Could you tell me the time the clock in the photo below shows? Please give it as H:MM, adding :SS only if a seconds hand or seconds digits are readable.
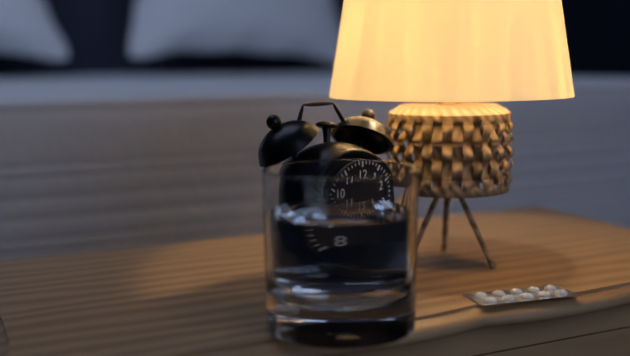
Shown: 3:22
